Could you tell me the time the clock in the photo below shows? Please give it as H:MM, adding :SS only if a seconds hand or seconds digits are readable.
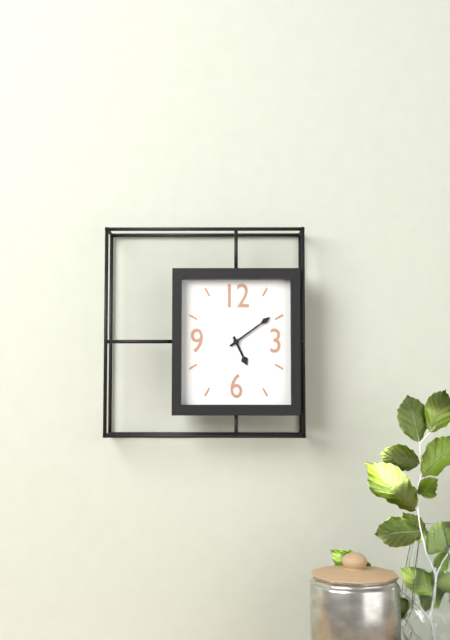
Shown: 5:09
